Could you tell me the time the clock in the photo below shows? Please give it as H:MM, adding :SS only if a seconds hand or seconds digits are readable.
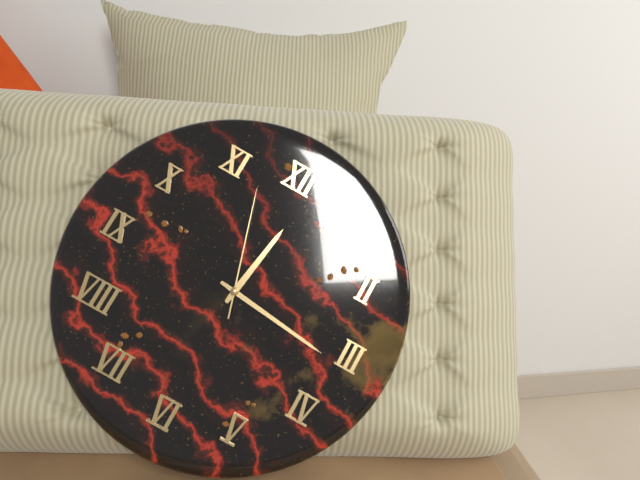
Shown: 12:16:57
